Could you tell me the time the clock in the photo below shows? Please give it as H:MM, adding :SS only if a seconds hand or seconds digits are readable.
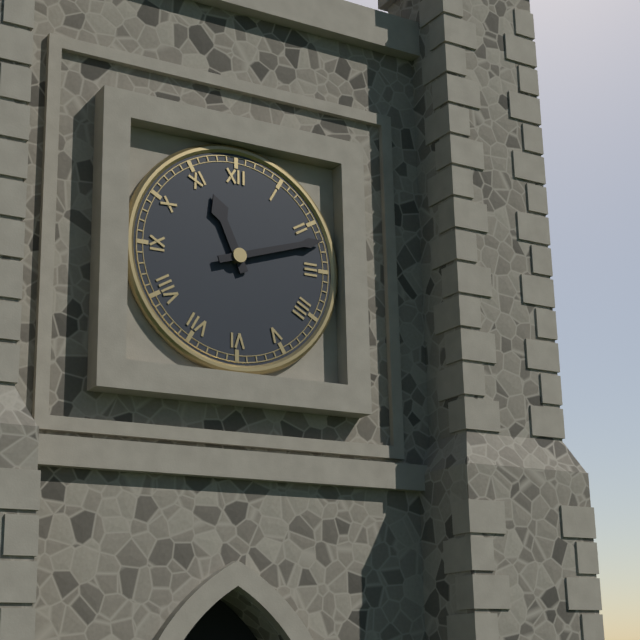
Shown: 11:12
